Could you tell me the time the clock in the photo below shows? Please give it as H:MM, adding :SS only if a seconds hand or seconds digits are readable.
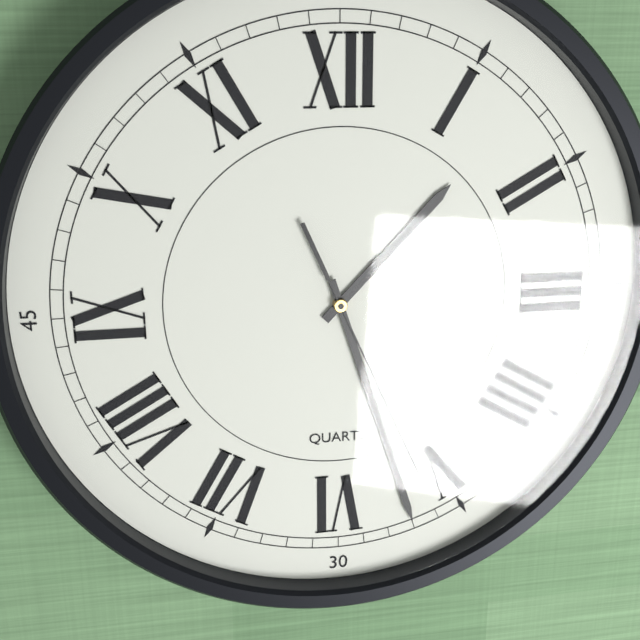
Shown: 1:27:26
